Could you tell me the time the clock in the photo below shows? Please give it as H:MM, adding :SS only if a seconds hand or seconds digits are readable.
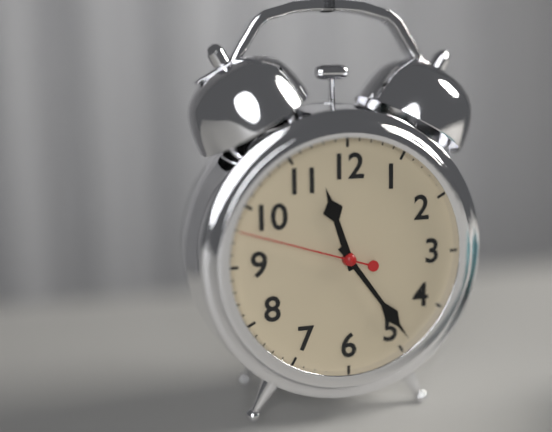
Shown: 11:24:48
